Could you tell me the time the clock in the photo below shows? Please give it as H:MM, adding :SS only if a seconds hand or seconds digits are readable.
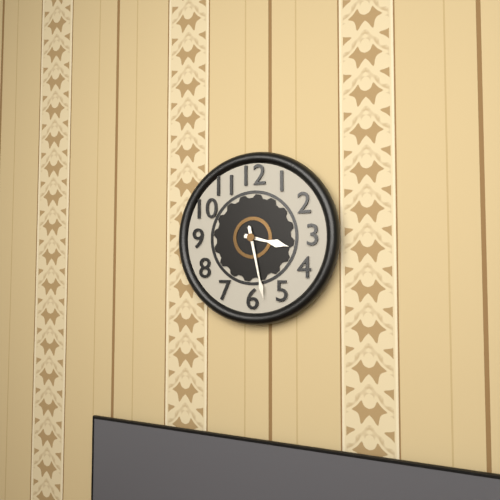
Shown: 3:28
